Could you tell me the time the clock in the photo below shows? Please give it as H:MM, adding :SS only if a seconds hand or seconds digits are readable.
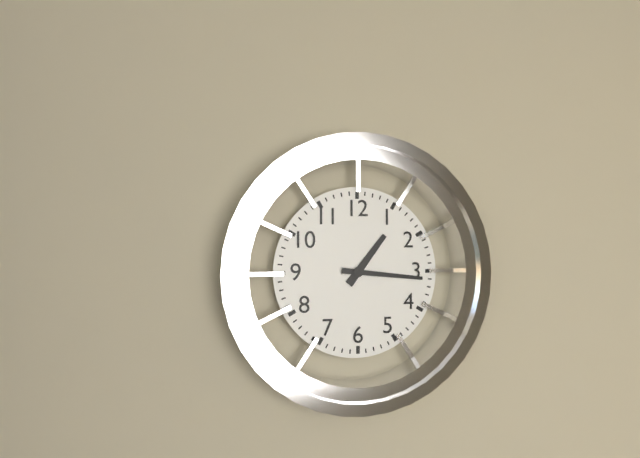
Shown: 1:16
